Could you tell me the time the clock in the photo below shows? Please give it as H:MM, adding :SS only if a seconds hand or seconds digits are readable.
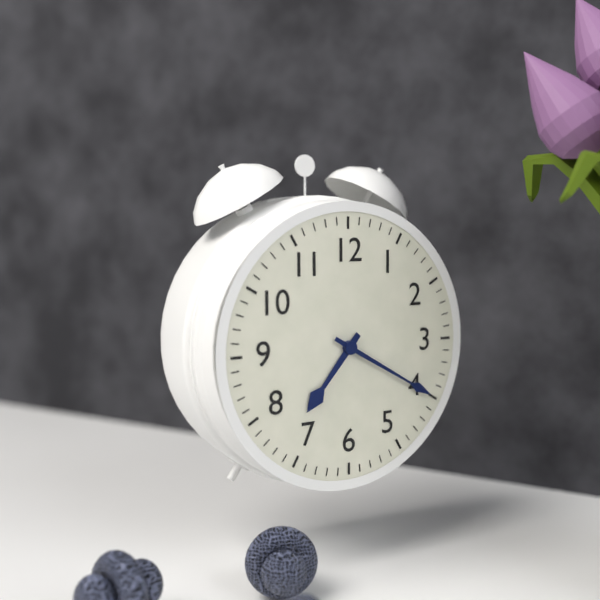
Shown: 7:20
